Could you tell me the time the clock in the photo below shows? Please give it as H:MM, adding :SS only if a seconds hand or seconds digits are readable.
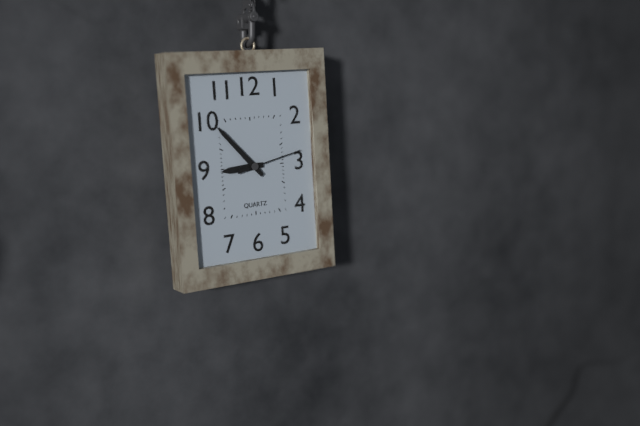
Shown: 8:53:13
